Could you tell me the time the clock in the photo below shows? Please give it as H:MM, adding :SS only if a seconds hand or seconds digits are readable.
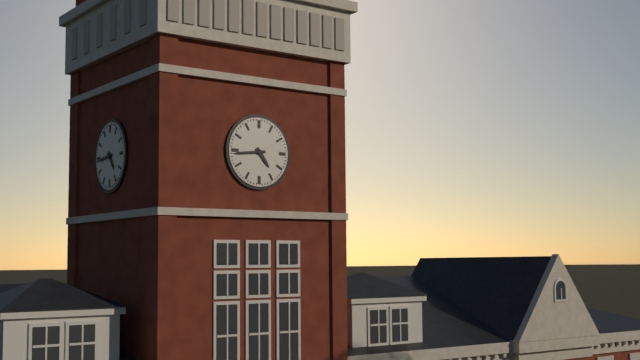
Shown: 4:44
